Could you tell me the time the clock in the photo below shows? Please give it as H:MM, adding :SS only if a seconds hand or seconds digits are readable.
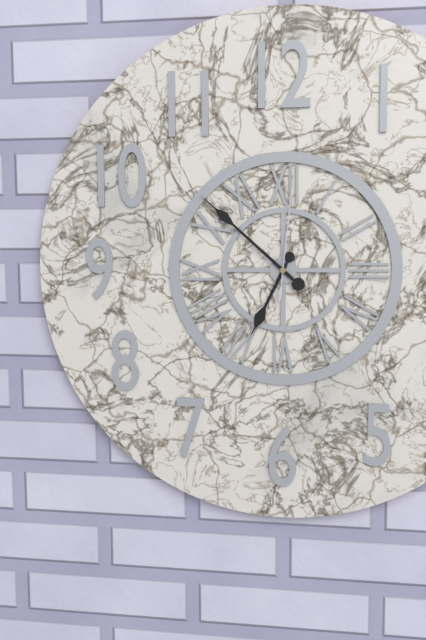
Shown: 6:52:01
